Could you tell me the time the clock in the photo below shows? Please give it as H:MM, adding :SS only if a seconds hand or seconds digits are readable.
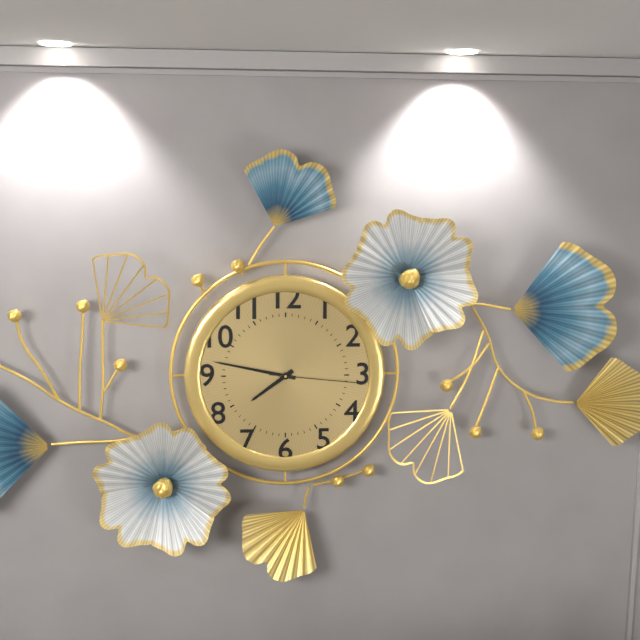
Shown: 7:47:16
